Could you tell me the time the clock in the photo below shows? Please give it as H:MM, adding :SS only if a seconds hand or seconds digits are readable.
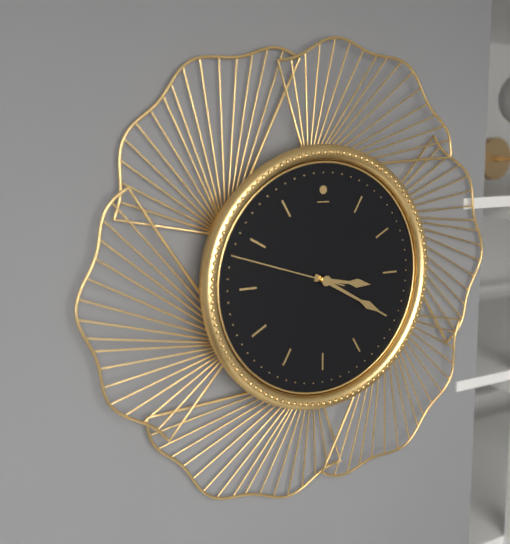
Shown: 3:20:48
